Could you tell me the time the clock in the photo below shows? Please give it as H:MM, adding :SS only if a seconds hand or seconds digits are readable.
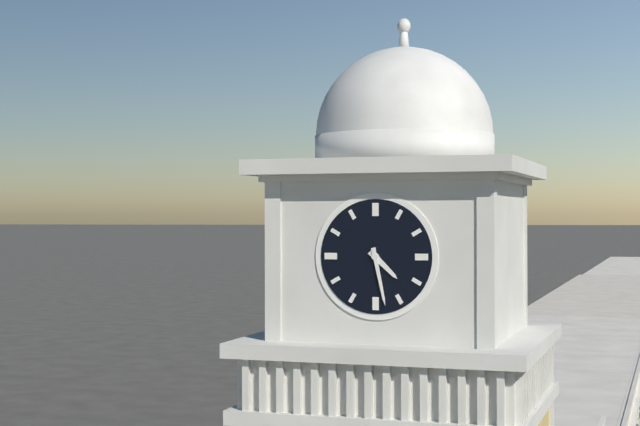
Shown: 4:28
